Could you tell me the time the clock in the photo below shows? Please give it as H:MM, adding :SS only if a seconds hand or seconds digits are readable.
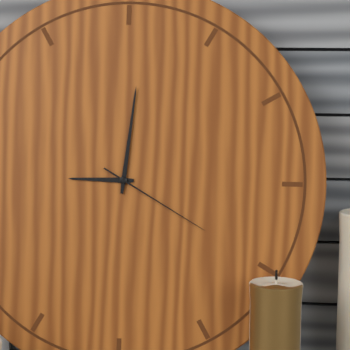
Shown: 9:01:20
